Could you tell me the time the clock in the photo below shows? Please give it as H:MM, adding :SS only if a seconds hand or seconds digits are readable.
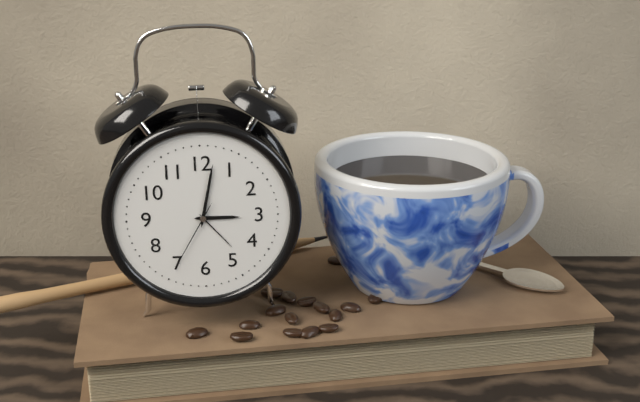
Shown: 3:02:35
